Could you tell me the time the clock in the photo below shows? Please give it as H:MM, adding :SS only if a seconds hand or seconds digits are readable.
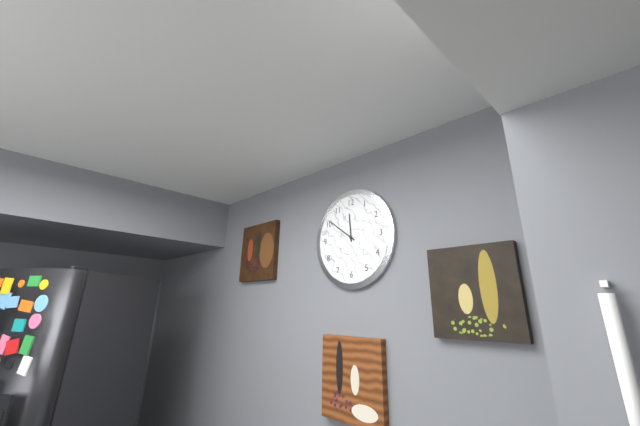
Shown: 11:51
